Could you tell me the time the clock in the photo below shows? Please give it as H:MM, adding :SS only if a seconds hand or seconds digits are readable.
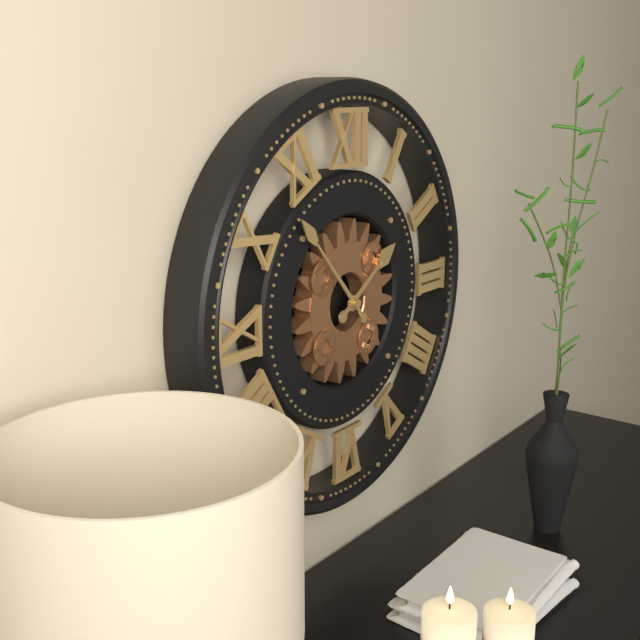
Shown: 1:53
